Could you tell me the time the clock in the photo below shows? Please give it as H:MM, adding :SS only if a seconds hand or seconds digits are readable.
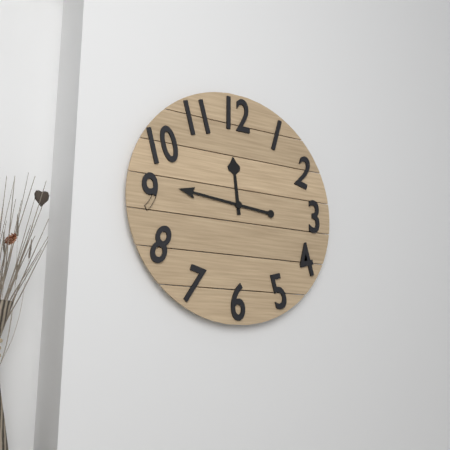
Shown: 11:46
